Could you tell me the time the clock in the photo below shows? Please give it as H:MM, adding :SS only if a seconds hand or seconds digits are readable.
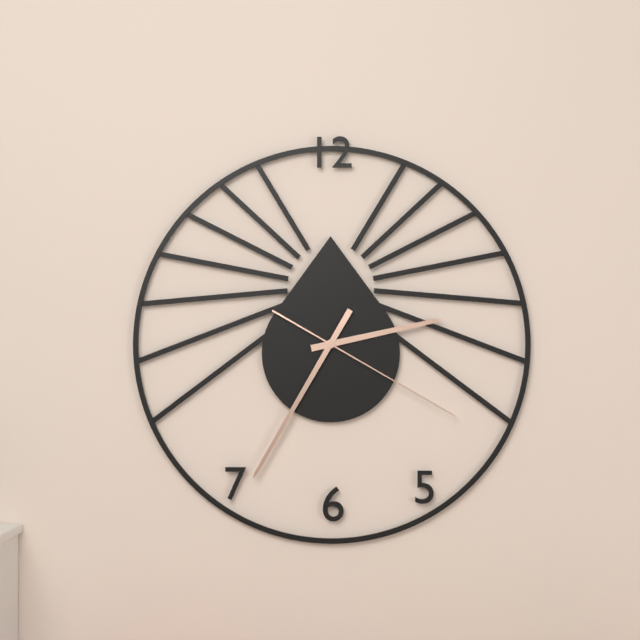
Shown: 2:35:20
